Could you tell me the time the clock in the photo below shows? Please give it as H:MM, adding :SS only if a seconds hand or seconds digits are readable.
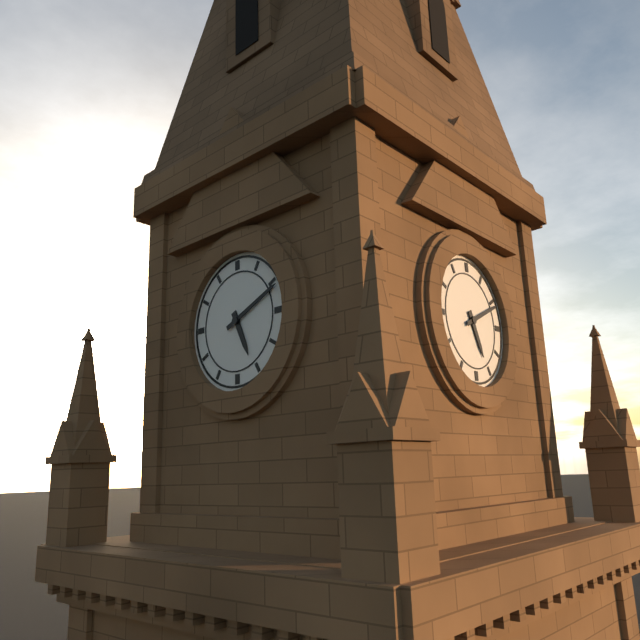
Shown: 5:11
